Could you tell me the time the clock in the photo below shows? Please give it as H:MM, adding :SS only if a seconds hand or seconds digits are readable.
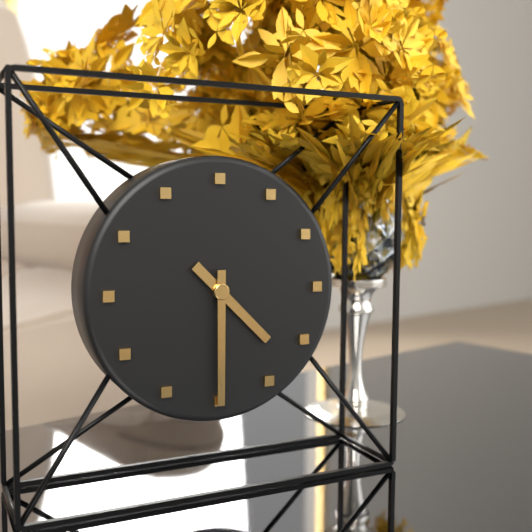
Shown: 4:30
